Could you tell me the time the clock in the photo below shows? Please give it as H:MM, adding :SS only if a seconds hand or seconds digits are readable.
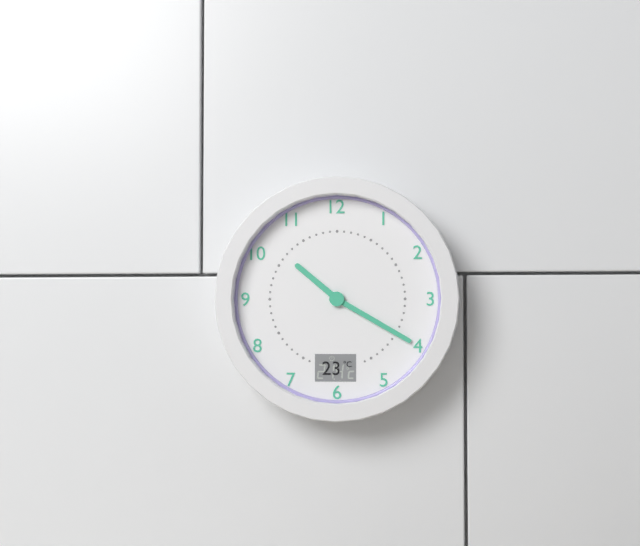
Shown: 10:20
